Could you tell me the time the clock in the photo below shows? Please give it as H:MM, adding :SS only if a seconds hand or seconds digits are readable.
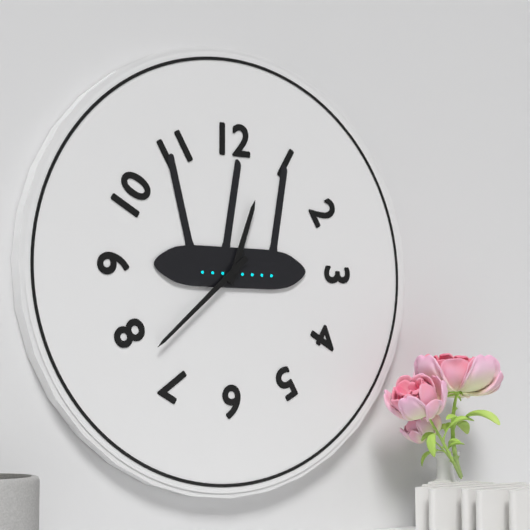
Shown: 12:38
